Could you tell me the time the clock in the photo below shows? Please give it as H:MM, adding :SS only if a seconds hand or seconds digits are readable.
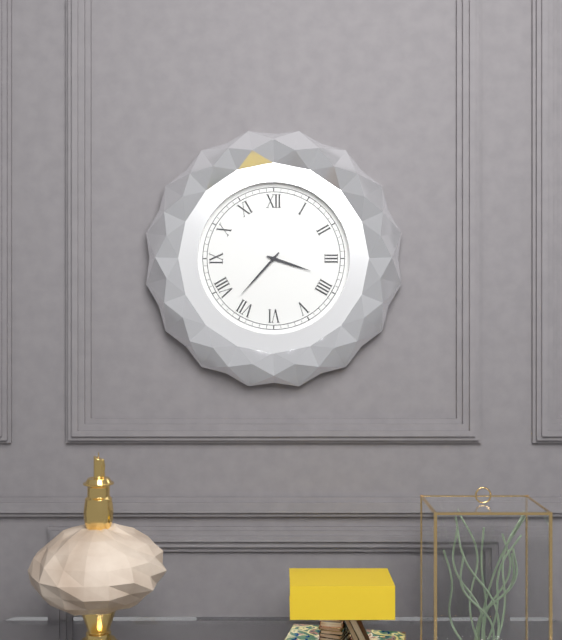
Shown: 3:37
